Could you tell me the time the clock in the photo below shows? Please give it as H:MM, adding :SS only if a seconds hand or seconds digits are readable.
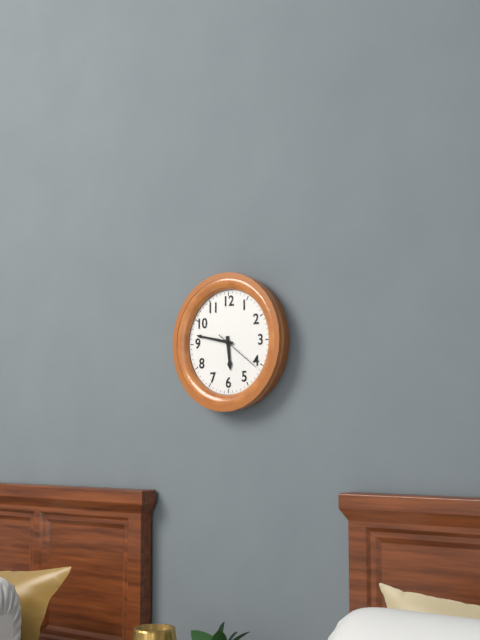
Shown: 5:47
